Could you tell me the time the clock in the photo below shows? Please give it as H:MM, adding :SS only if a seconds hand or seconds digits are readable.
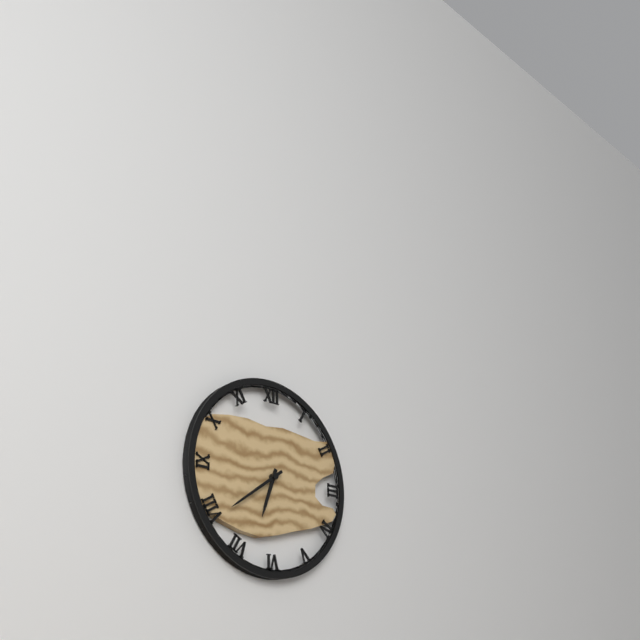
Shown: 6:39
